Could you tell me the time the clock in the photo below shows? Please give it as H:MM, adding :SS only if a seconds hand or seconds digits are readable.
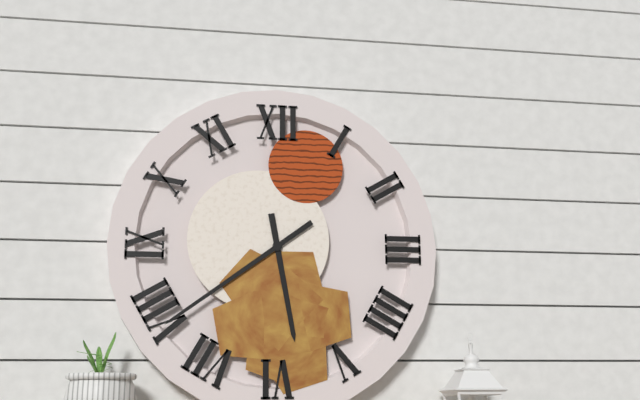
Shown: 5:39
